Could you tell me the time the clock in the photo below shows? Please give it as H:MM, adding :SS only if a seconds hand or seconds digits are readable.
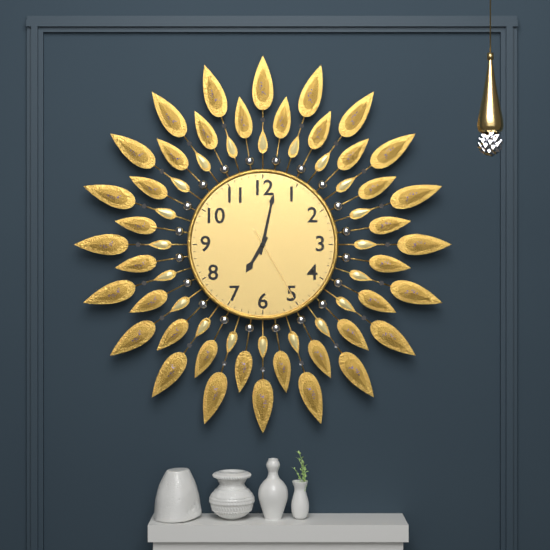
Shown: 7:02:25
